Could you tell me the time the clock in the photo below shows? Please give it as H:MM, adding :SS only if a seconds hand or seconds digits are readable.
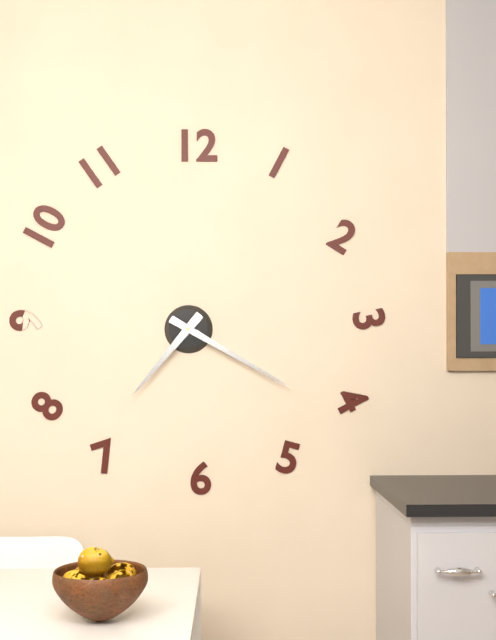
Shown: 7:20
